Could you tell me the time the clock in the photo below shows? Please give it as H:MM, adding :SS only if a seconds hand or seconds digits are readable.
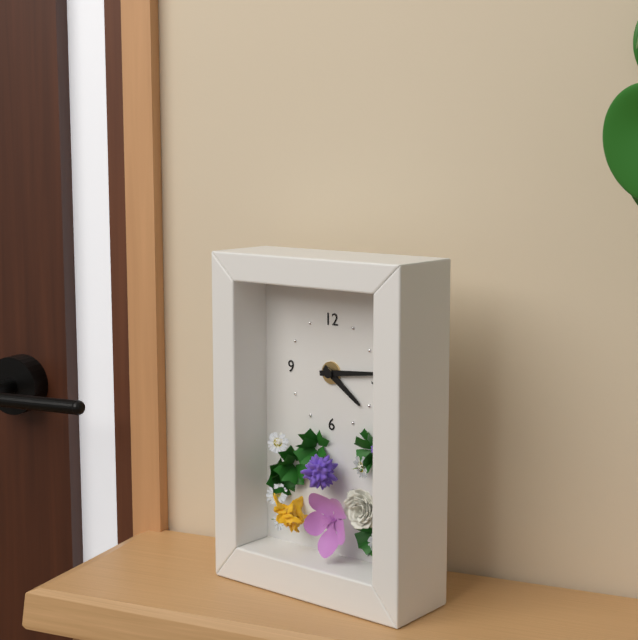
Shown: 4:14
